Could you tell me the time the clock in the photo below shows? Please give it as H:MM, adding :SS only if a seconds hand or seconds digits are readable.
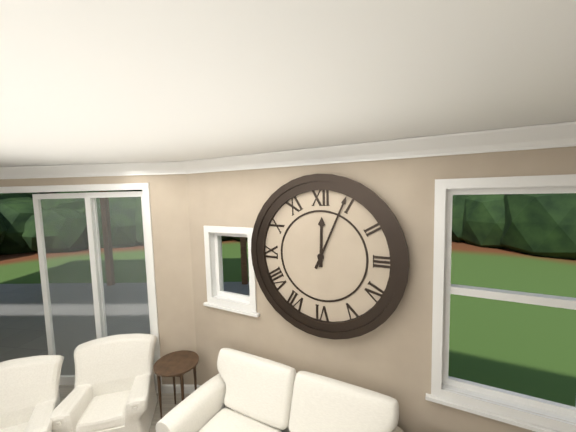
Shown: 12:04
